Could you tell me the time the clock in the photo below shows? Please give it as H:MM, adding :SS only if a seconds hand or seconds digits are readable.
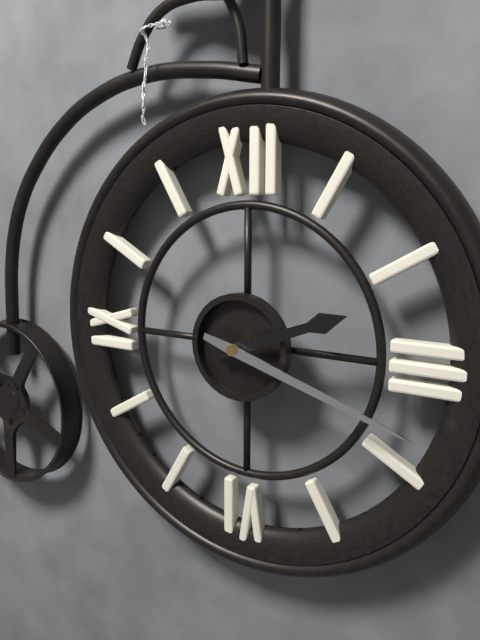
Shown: 2:18
